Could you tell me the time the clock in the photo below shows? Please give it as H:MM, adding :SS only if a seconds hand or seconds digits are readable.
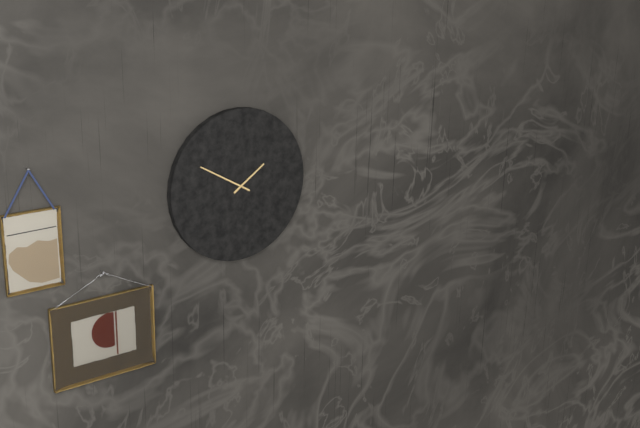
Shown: 1:50
